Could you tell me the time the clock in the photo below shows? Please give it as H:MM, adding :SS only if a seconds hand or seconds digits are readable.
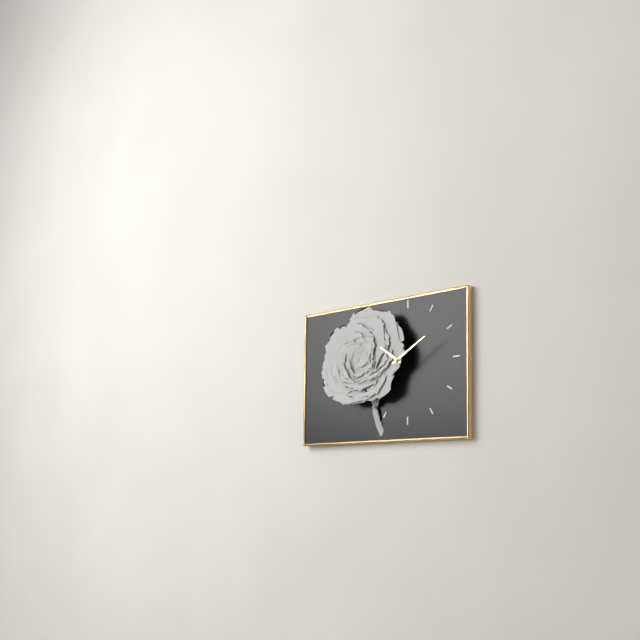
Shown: 10:10
